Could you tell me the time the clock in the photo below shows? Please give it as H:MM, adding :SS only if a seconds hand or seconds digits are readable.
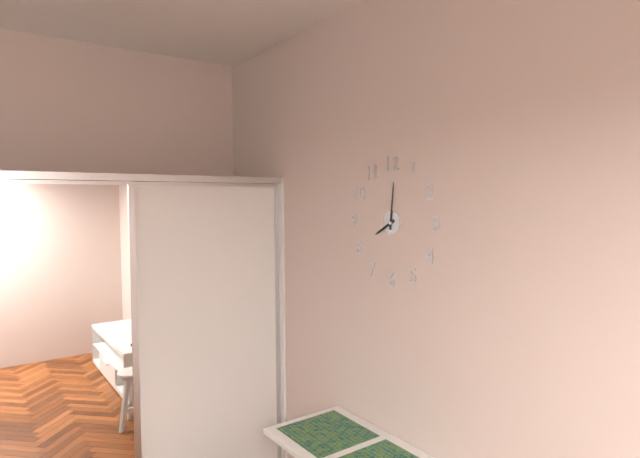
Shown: 8:01
